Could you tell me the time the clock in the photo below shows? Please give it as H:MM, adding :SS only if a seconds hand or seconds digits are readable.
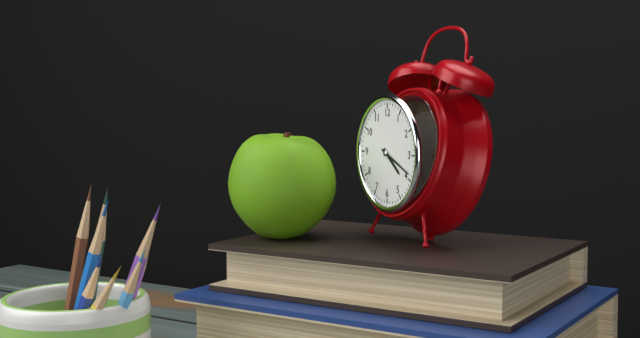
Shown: 4:19
